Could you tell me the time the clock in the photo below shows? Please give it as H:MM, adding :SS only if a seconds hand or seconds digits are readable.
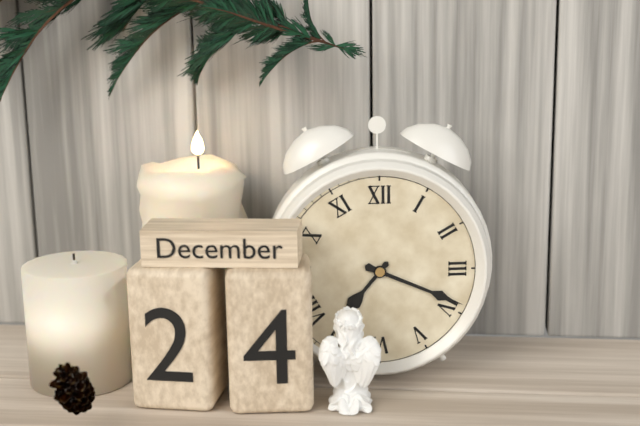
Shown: 7:19
